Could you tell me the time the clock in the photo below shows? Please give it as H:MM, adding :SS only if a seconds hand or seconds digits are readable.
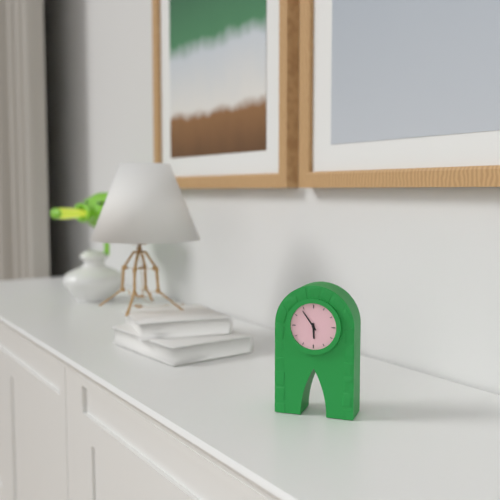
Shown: 5:54
